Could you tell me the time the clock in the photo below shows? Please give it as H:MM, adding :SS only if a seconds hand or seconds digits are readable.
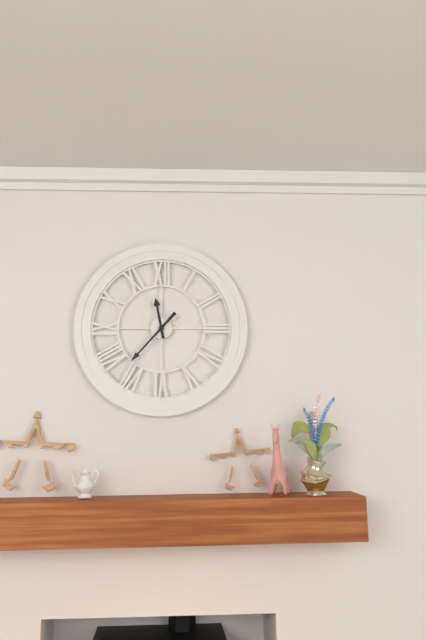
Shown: 11:37
